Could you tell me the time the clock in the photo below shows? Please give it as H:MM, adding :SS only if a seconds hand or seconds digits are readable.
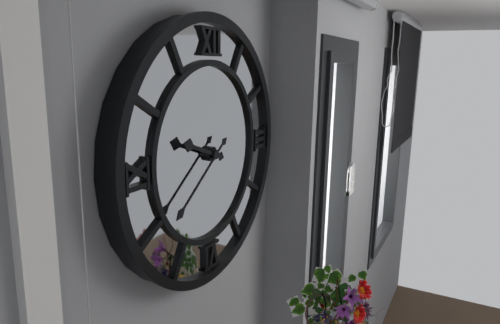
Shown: 9:39
